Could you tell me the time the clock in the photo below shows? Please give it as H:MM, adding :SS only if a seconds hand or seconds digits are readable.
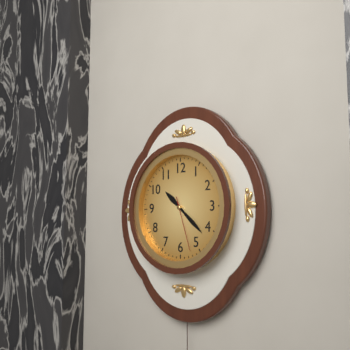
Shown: 10:22:27
